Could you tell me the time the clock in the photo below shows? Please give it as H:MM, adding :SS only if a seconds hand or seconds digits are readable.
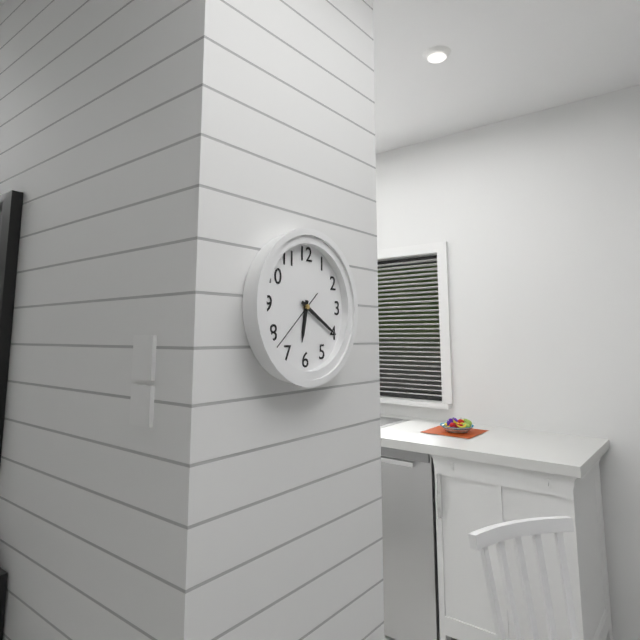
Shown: 6:20:38
